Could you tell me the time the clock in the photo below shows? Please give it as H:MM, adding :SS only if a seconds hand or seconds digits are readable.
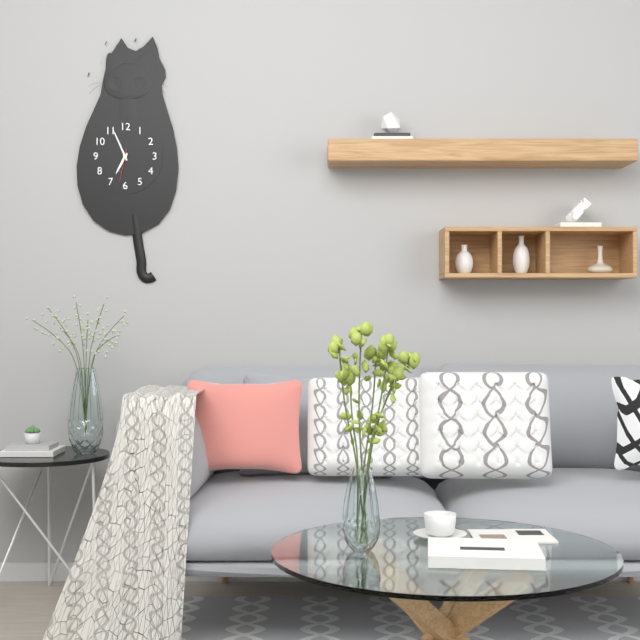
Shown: 6:56
